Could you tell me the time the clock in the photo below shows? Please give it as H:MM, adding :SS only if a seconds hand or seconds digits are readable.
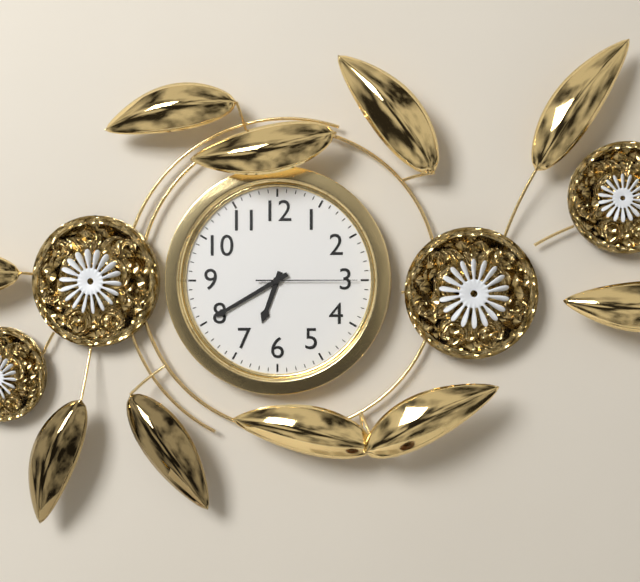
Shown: 6:40:15
